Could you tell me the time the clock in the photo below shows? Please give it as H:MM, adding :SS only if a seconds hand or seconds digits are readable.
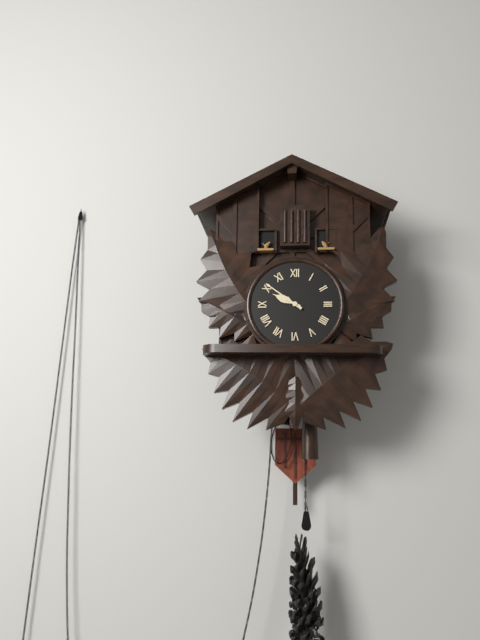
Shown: 9:51
